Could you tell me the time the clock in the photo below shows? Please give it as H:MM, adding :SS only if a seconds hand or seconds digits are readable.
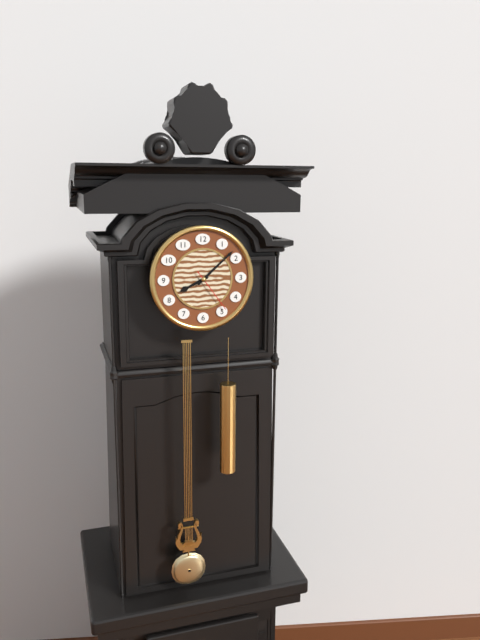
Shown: 8:08
